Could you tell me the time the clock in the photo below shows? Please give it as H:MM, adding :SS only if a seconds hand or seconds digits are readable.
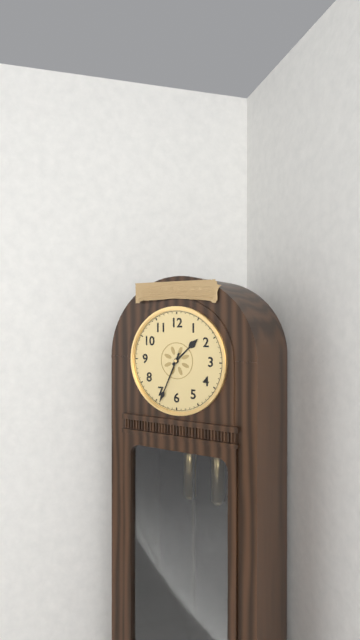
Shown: 1:34
